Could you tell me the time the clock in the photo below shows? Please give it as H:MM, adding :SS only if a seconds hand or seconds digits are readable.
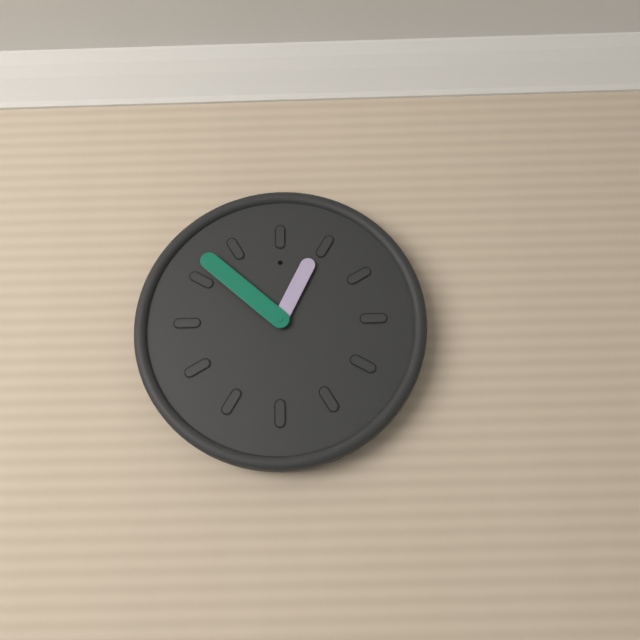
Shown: 12:52
